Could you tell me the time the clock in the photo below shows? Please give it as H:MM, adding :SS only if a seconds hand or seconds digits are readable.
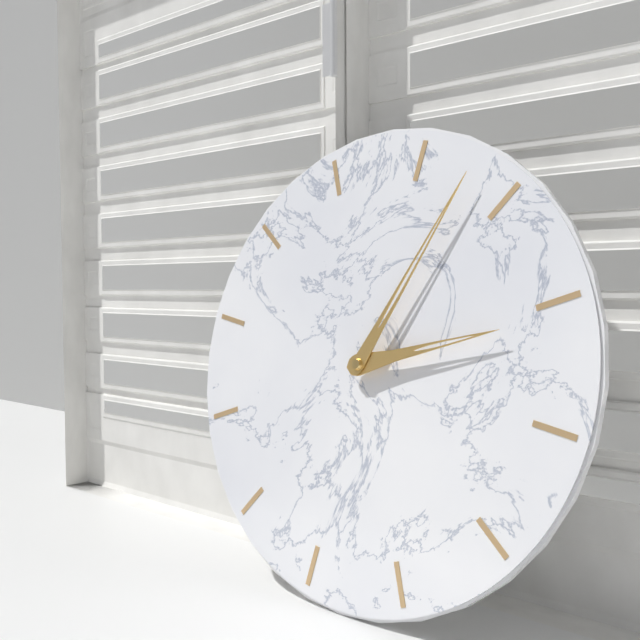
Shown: 3:08
